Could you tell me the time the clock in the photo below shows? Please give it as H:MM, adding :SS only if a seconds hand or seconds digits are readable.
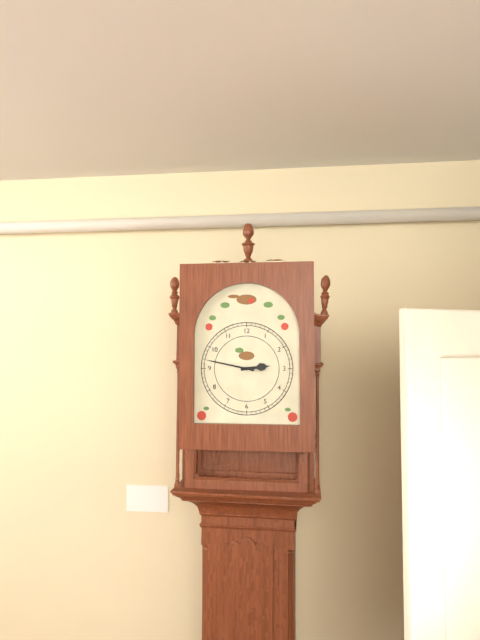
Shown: 2:47
